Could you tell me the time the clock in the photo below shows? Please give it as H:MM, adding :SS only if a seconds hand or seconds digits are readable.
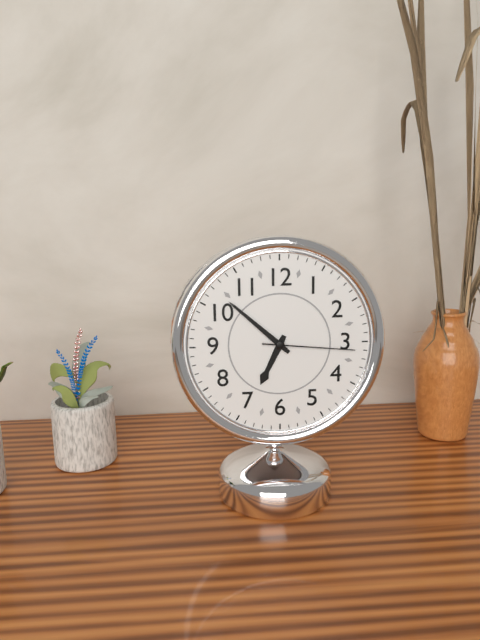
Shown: 6:52:16
